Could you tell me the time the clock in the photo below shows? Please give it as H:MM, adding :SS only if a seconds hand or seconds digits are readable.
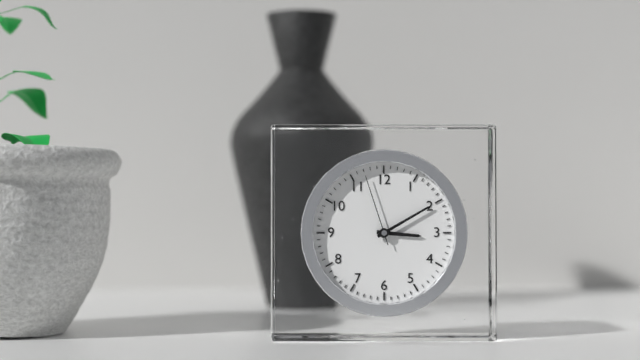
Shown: 3:10:57
